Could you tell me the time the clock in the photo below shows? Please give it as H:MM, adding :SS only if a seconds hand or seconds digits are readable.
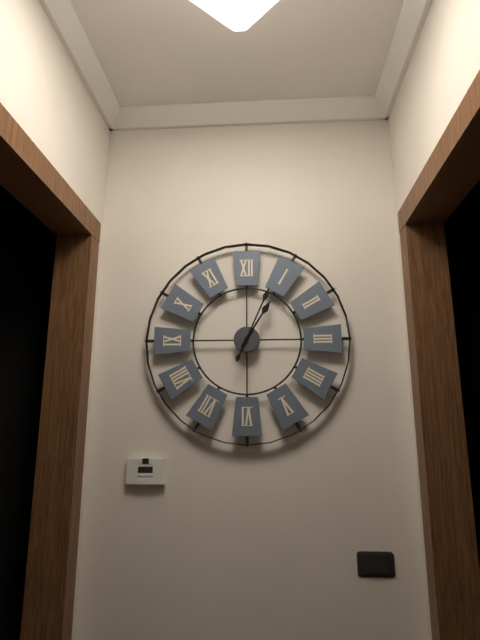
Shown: 1:04
